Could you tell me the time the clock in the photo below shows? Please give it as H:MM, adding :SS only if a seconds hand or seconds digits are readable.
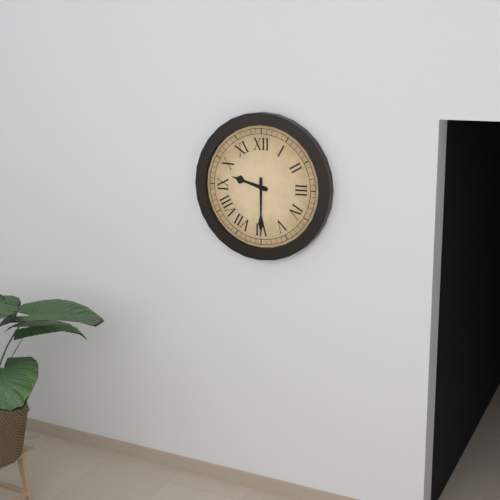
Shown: 9:30
